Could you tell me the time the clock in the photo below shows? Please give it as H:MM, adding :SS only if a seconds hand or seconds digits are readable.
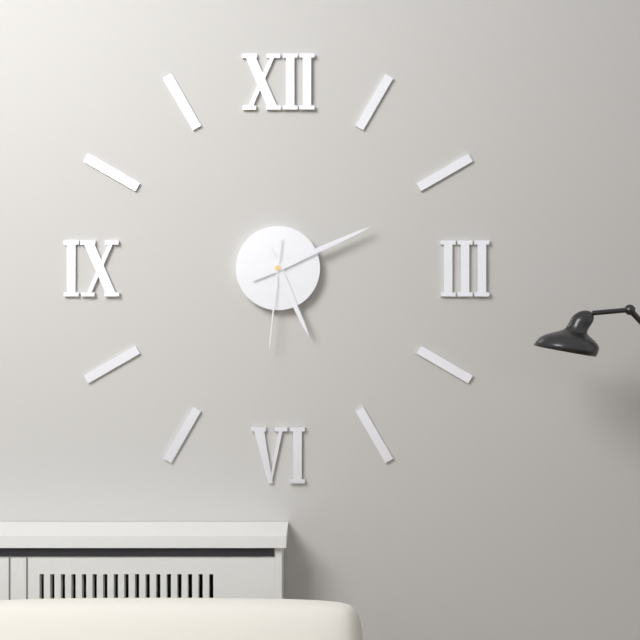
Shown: 5:11:31
